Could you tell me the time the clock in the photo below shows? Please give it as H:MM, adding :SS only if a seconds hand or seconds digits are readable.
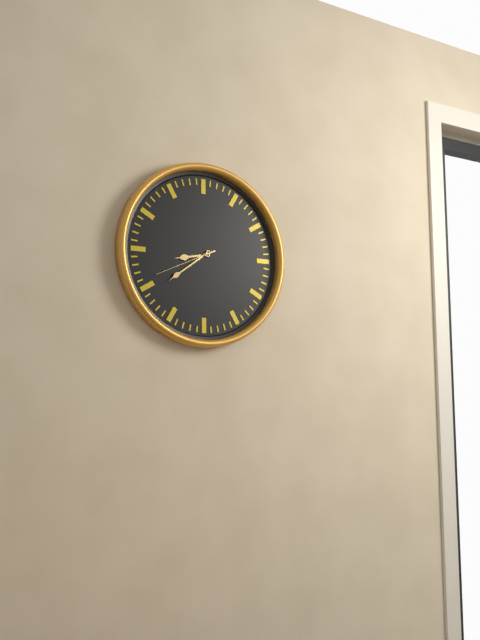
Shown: 8:39:41
